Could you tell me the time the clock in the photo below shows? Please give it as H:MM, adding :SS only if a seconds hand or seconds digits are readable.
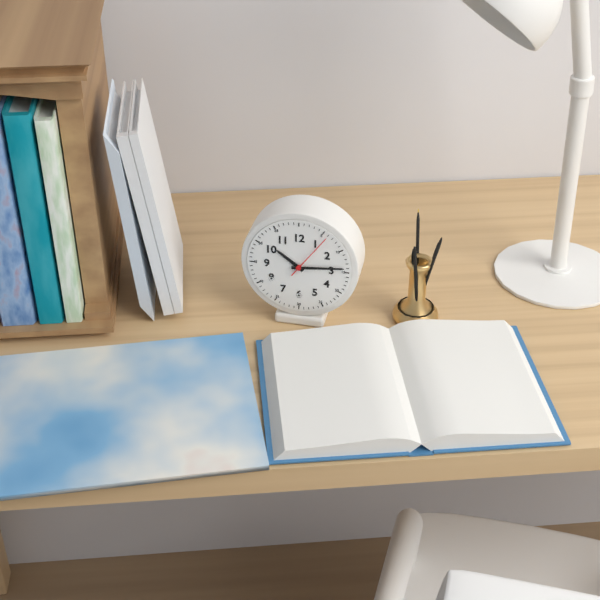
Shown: 10:14:06
